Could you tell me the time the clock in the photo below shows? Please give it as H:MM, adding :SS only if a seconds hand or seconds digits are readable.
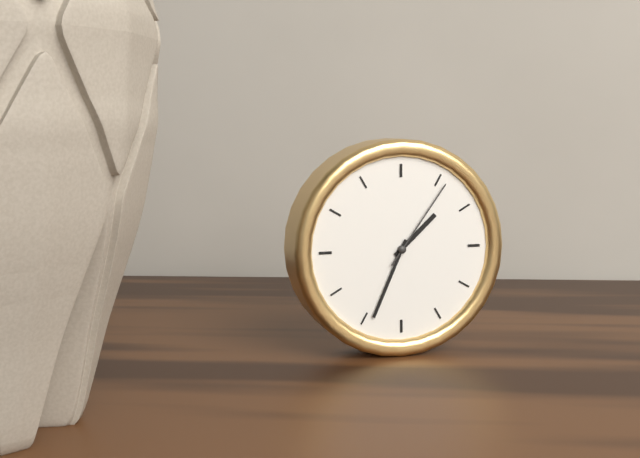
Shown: 1:34:06
